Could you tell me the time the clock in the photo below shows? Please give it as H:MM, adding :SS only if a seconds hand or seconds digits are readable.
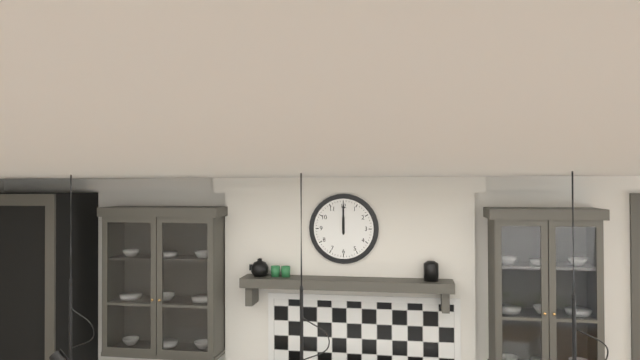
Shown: 12:00
